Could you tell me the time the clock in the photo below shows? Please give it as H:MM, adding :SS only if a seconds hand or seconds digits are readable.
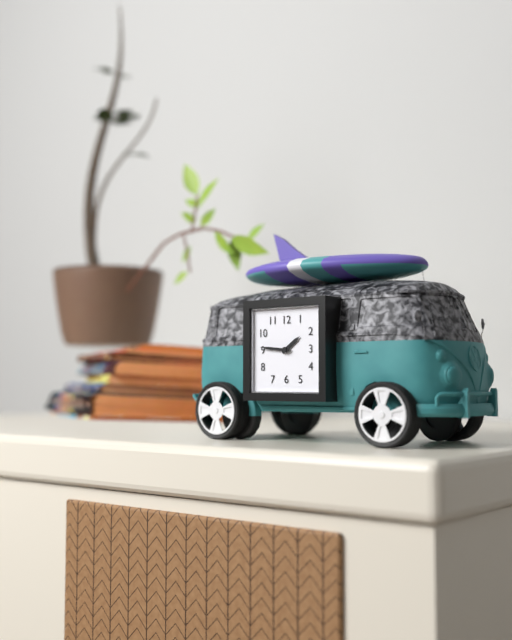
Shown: 1:46
